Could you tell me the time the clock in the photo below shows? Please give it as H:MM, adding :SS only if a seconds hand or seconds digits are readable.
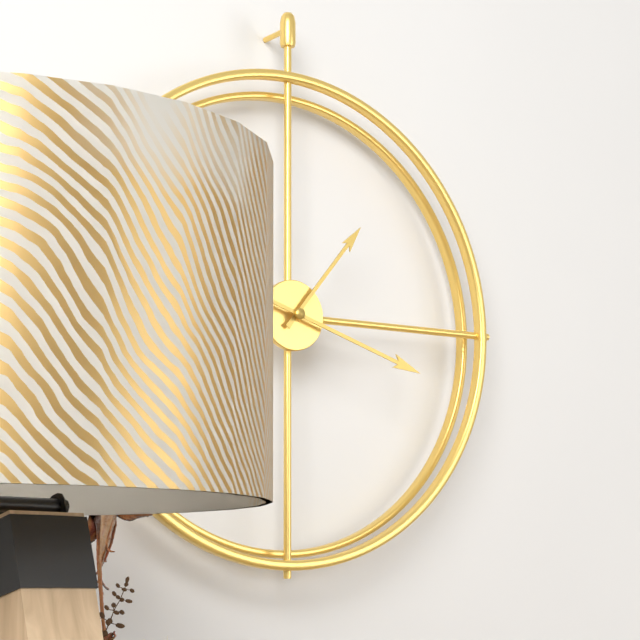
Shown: 1:18
